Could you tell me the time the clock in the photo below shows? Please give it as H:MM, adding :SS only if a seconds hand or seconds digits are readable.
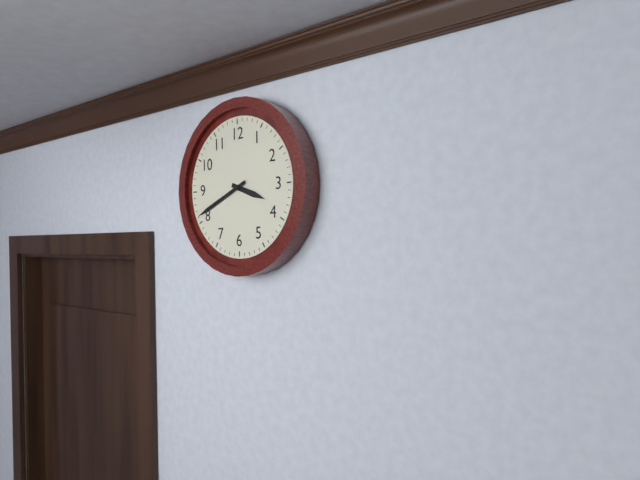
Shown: 3:41
